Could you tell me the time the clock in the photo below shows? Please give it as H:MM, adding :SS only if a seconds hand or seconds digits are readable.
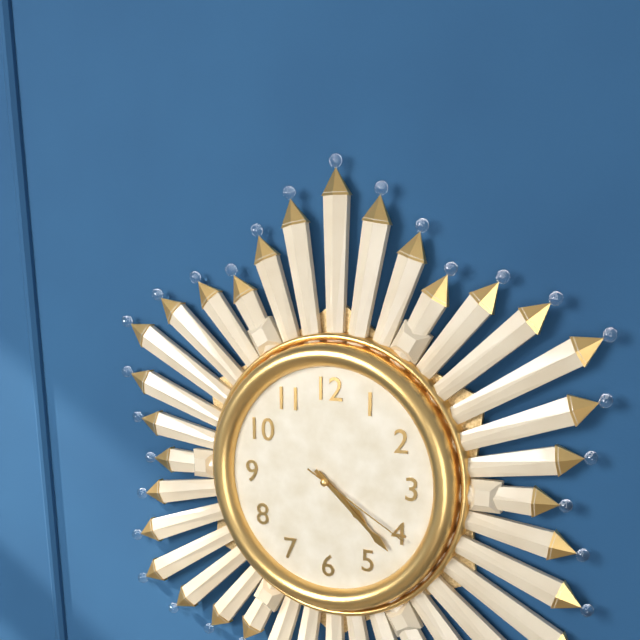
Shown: 4:22:20
